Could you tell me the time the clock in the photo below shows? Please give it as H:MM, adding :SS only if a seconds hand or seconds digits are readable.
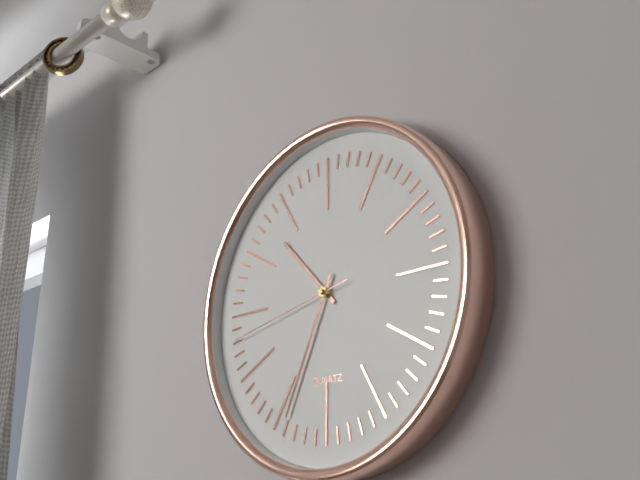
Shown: 10:34:43
